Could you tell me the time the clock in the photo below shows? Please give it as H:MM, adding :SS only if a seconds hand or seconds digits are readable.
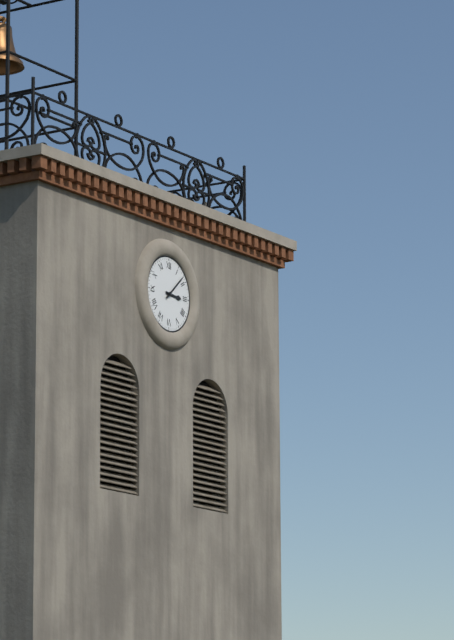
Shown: 3:08
